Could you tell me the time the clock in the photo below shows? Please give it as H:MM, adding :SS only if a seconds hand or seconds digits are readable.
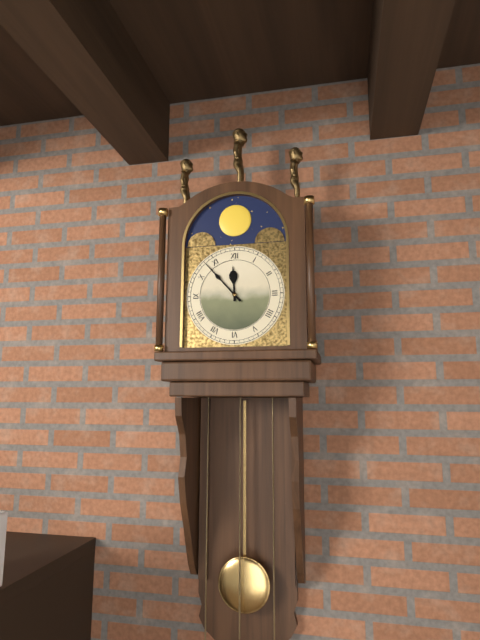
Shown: 11:53
